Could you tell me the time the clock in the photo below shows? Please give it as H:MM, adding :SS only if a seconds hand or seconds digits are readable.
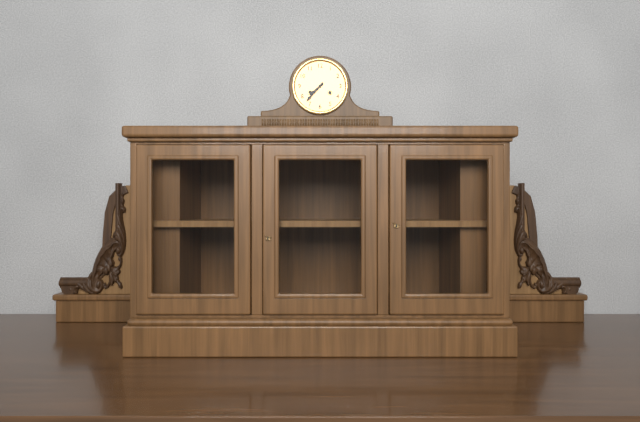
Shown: 7:37
